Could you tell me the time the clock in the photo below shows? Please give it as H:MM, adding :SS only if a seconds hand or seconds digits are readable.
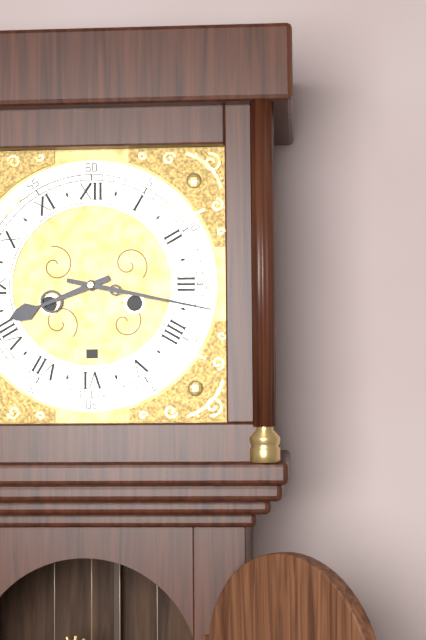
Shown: 8:17
